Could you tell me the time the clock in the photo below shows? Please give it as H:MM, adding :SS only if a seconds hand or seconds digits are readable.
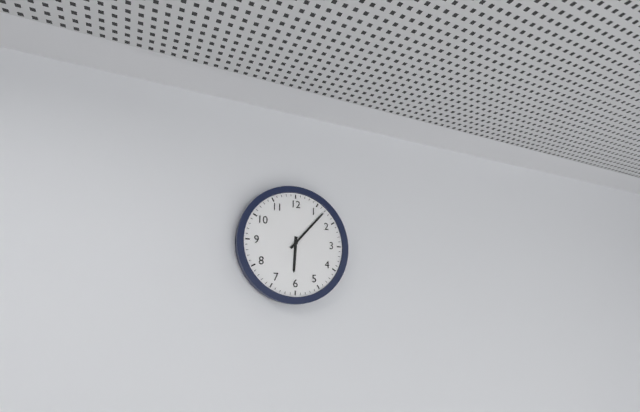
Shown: 6:07
